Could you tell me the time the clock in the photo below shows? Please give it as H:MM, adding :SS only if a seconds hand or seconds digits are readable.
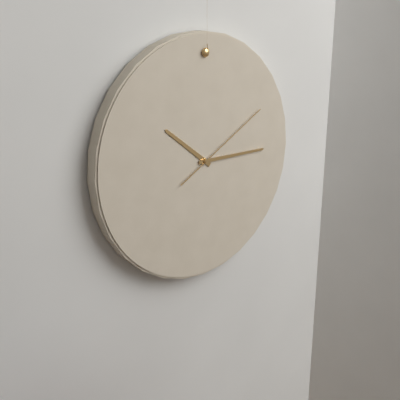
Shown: 10:15:10
